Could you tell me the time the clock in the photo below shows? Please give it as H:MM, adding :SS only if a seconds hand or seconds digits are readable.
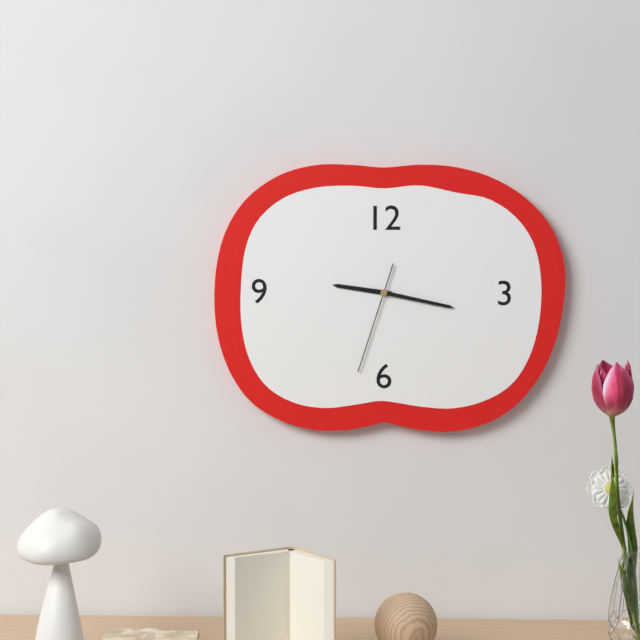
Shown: 9:17:33
